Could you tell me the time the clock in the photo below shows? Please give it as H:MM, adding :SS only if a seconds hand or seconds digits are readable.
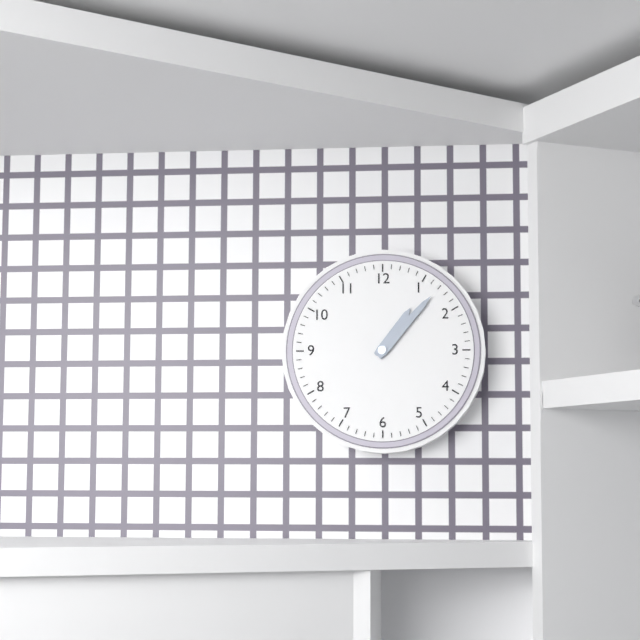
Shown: 1:07
